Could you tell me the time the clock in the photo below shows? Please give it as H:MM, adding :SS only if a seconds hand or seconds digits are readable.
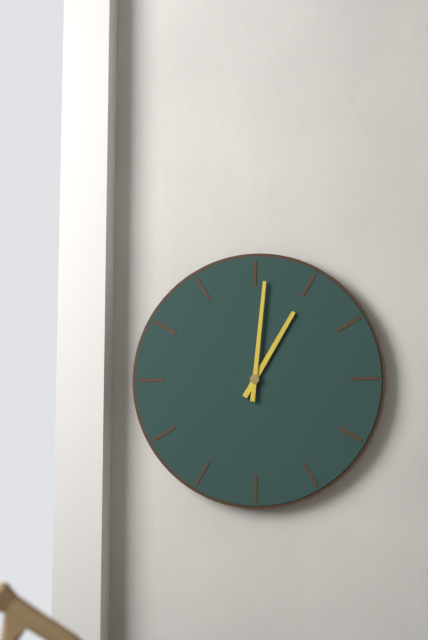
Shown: 1:01
